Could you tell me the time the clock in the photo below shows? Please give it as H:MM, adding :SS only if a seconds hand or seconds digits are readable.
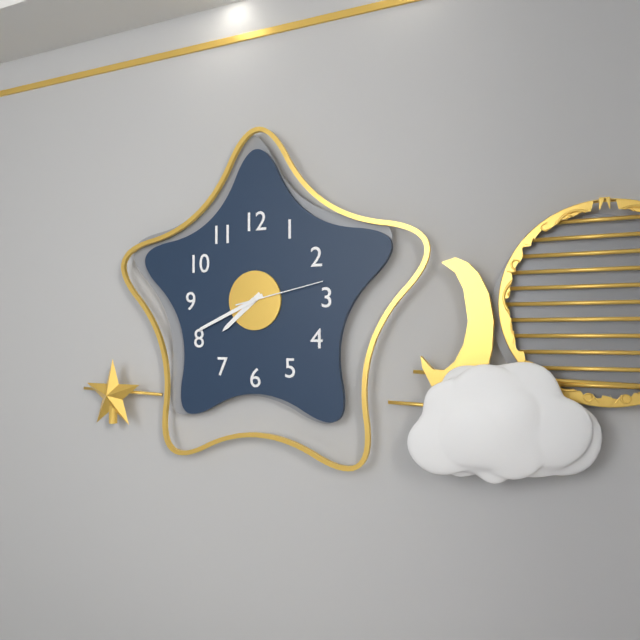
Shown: 7:41:13
